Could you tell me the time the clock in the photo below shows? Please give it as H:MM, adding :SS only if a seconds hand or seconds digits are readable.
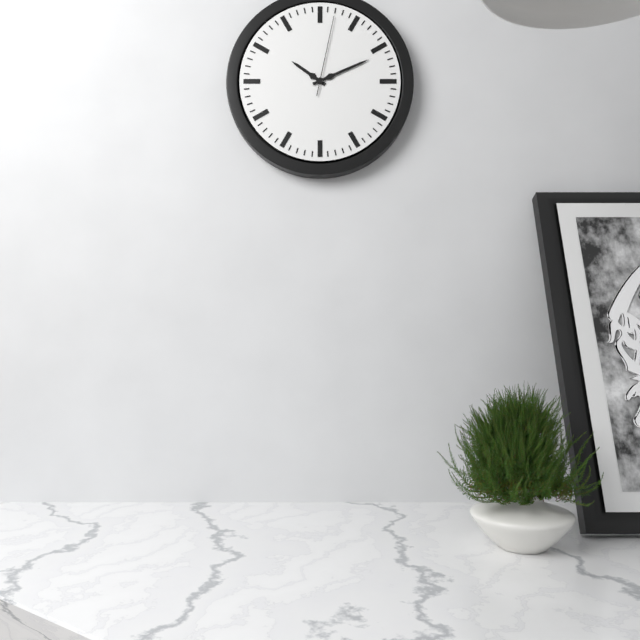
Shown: 10:11:02
